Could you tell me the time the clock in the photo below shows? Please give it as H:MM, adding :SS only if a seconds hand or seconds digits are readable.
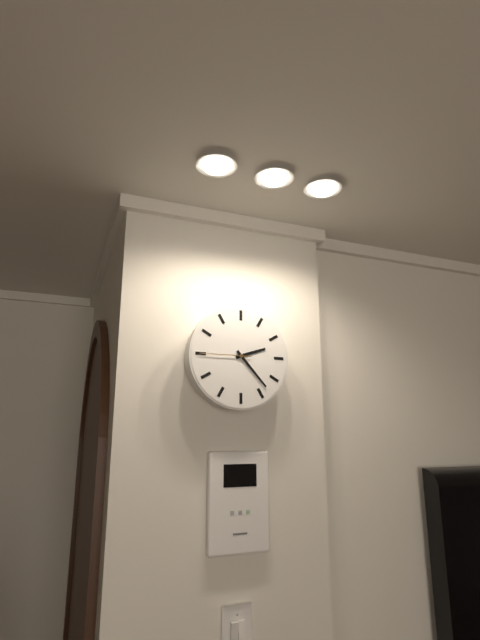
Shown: 2:23:45
